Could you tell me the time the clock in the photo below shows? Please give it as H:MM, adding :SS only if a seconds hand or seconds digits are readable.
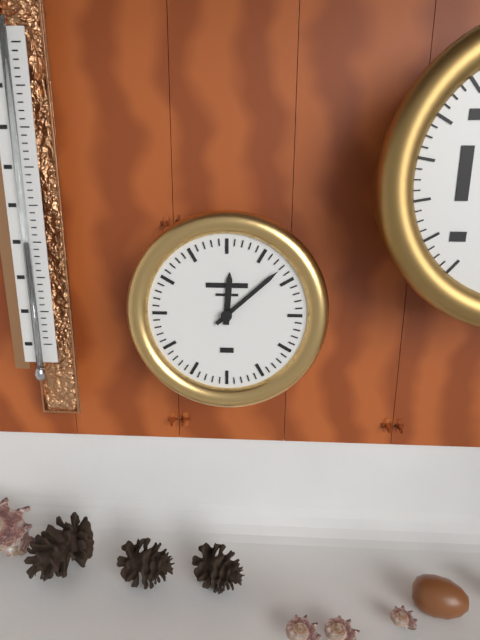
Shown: 12:08
